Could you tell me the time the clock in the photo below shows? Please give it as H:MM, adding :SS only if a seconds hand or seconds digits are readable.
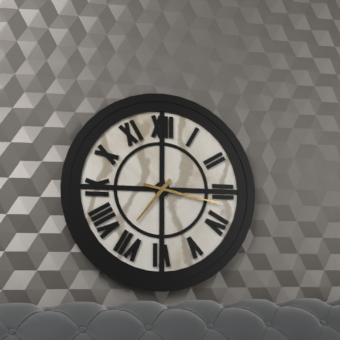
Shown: 7:17
